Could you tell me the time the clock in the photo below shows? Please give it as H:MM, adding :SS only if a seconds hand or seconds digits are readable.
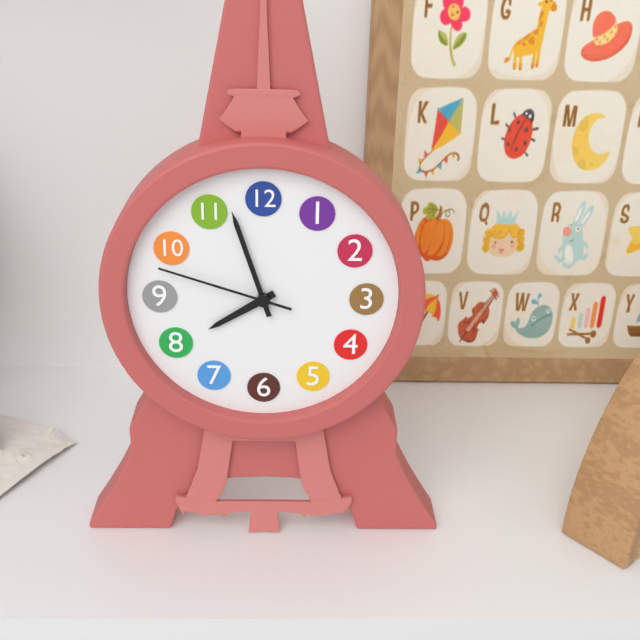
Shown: 7:57:48
